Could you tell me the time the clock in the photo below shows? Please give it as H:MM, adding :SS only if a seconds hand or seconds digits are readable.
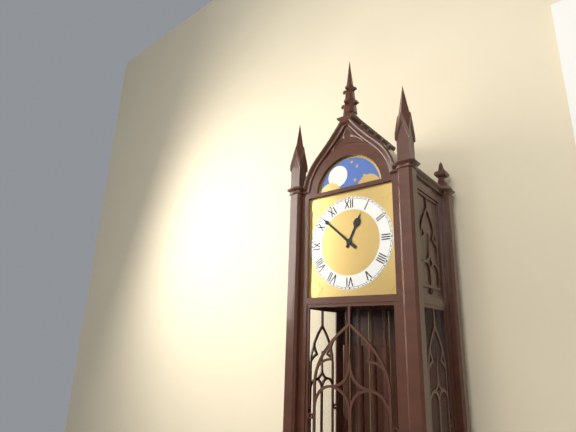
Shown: 12:52
